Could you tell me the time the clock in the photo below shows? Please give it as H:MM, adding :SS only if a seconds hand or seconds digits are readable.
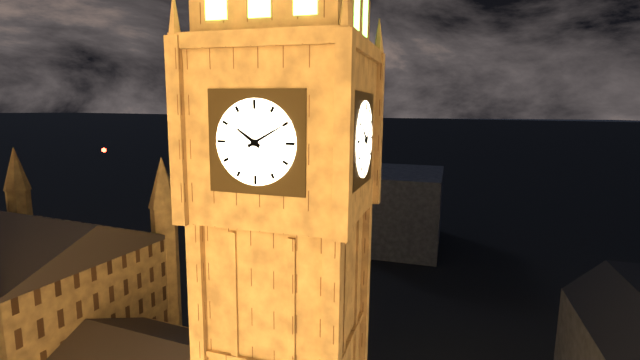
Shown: 10:10
